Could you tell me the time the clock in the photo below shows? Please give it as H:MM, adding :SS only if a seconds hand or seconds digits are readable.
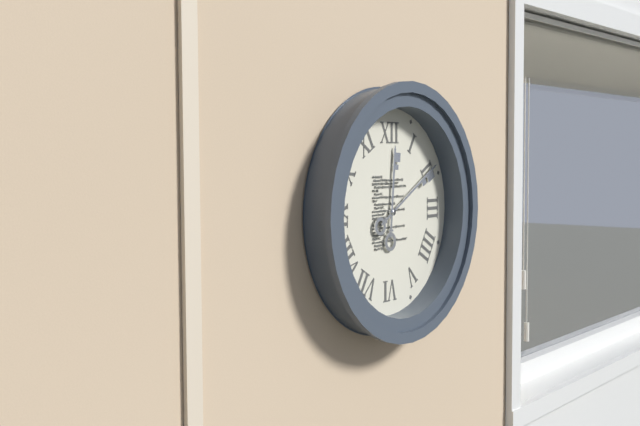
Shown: 12:10
